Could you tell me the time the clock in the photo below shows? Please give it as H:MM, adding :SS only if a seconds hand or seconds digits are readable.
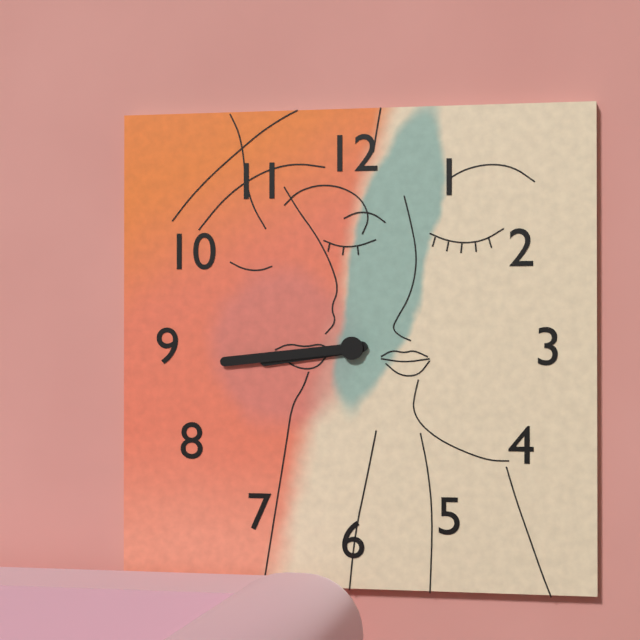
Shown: 8:44
